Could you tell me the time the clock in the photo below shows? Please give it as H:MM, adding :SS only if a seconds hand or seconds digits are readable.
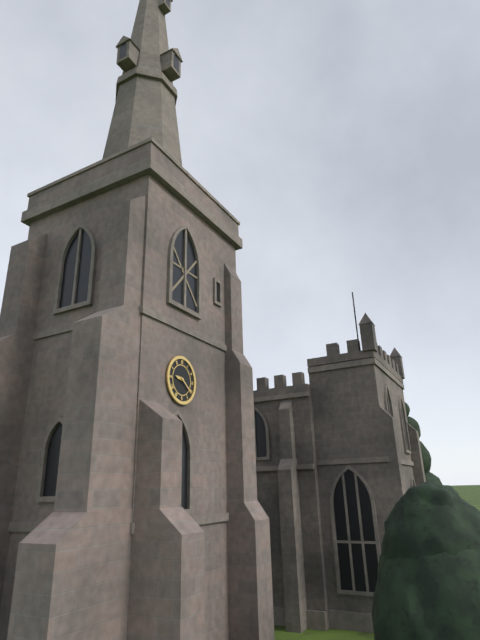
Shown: 9:21
